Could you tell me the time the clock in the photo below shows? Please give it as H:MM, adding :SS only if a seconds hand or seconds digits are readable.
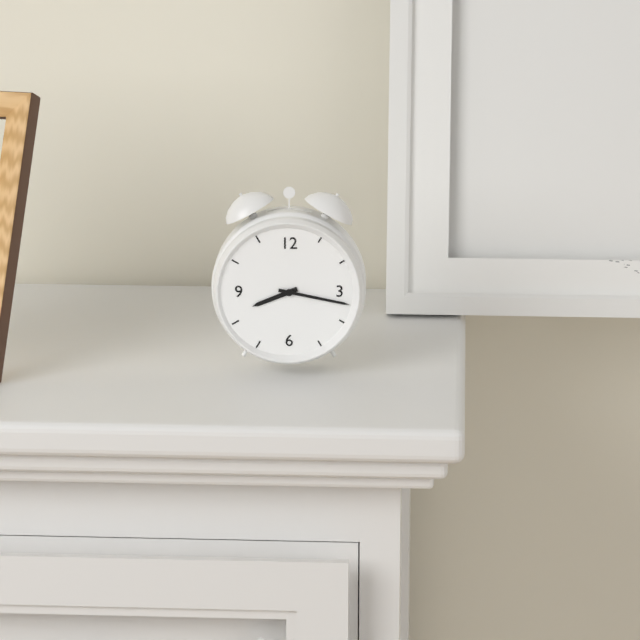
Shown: 8:17
